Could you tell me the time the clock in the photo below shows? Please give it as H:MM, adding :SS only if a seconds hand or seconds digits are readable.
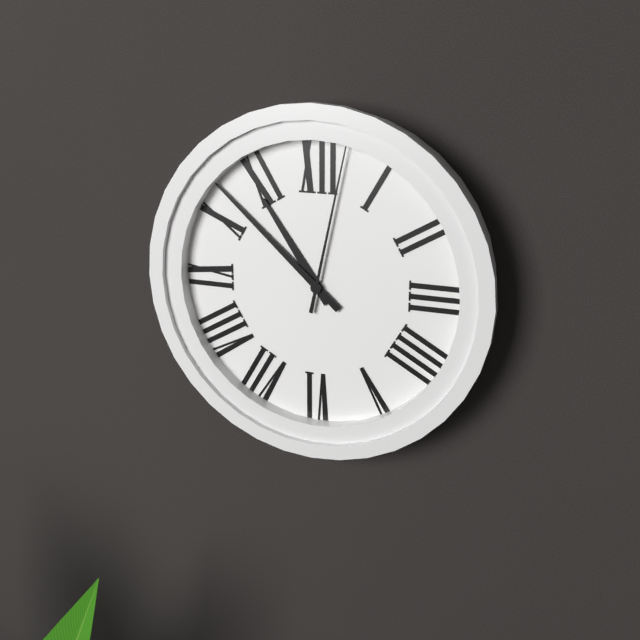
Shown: 10:52:02
